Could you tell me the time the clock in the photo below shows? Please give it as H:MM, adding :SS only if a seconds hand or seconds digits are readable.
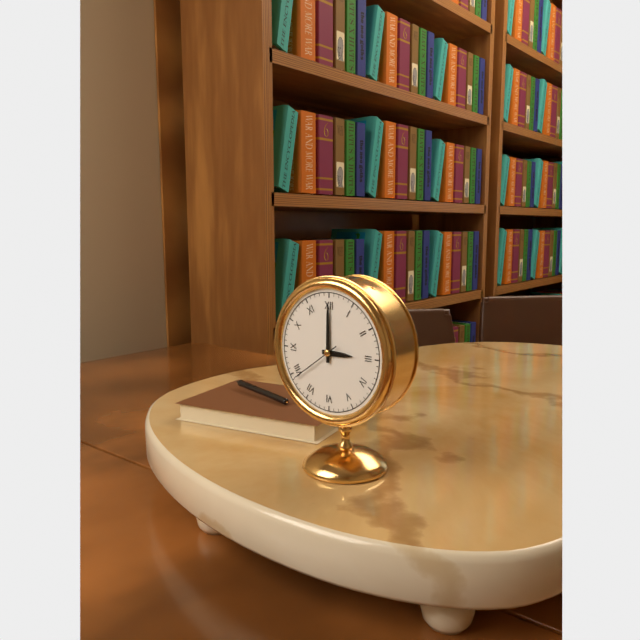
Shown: 3:00:39
